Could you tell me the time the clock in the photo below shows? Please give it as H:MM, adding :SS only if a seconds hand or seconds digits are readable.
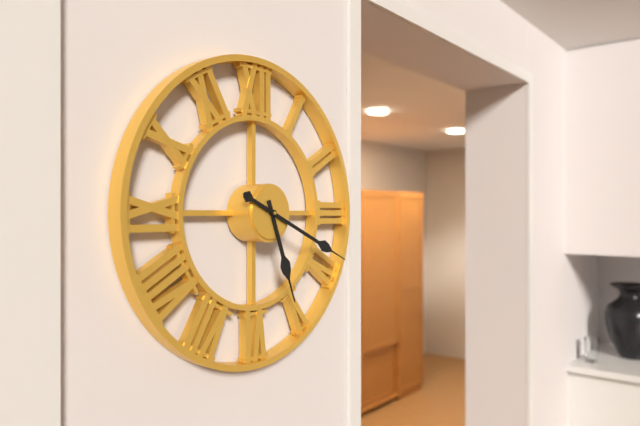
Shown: 5:19
